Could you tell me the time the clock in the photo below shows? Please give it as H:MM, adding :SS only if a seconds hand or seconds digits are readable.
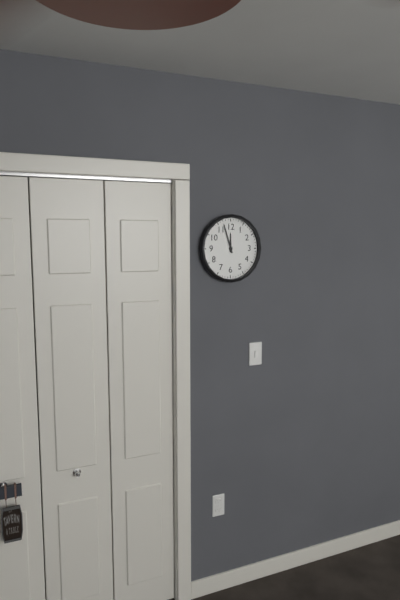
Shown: 11:57
